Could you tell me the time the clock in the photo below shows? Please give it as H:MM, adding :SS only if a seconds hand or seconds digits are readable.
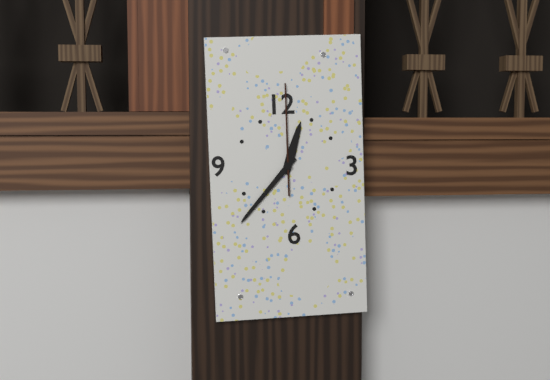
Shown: 12:37:00
